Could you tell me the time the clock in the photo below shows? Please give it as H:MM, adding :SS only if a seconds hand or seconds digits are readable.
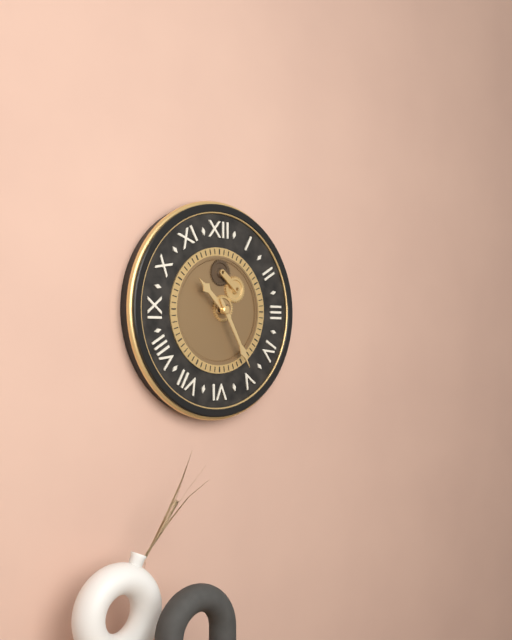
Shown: 10:25
